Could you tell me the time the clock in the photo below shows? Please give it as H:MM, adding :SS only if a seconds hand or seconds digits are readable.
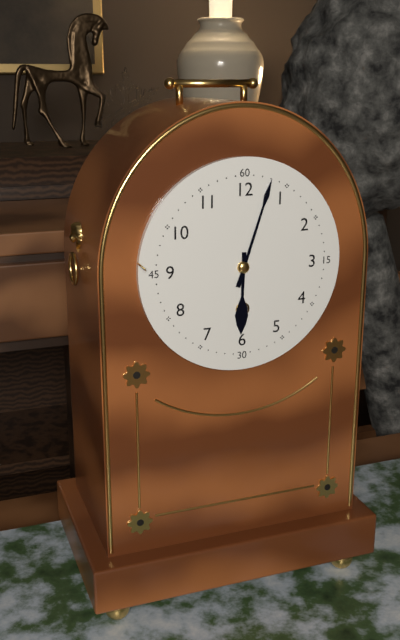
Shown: 6:03
